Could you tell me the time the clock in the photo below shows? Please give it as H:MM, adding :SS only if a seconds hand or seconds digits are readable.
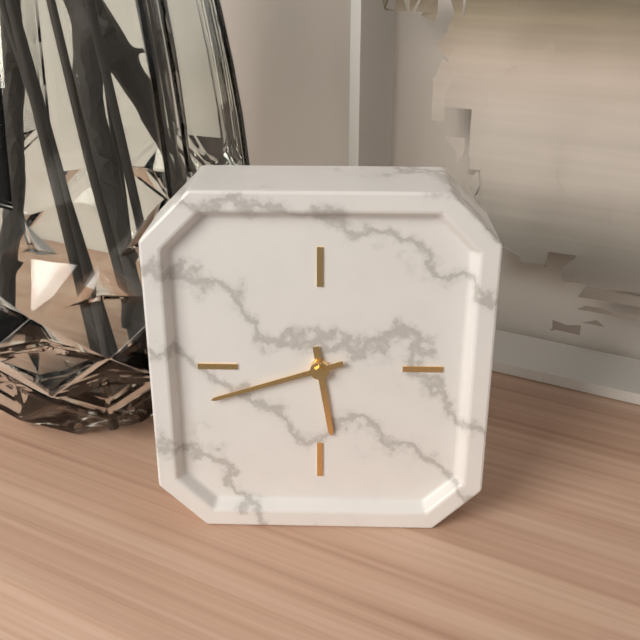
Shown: 5:42
